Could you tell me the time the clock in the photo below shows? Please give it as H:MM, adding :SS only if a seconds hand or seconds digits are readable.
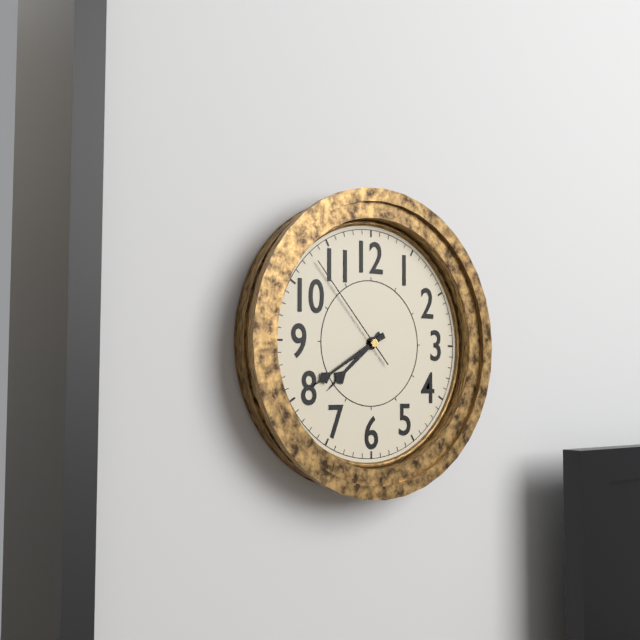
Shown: 7:40:53
